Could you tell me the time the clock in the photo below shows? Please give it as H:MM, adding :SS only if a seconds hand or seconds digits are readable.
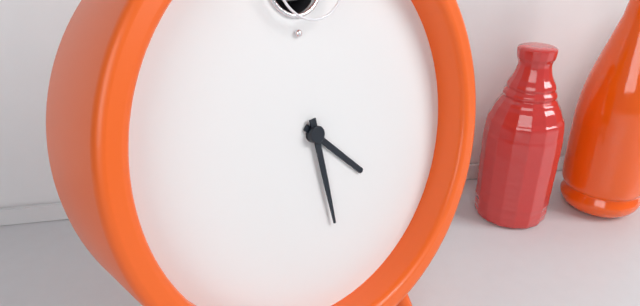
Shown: 4:29
